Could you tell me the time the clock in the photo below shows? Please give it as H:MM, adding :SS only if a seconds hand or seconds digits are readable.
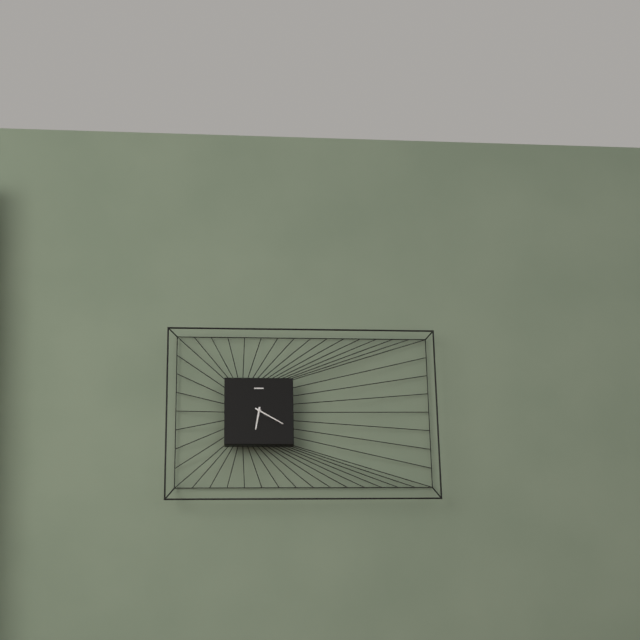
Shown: 6:20
